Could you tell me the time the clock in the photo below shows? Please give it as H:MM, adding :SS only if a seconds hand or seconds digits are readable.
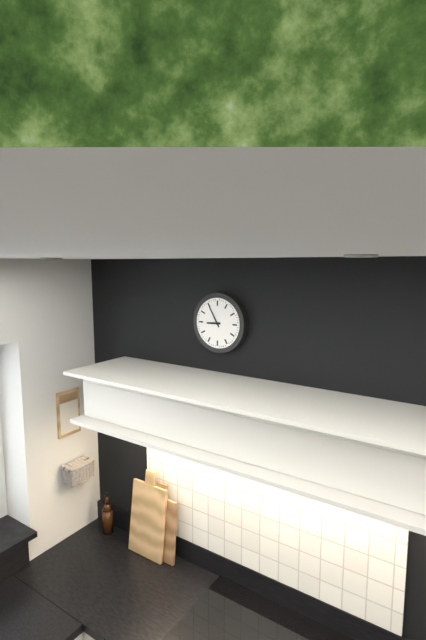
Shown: 8:55
